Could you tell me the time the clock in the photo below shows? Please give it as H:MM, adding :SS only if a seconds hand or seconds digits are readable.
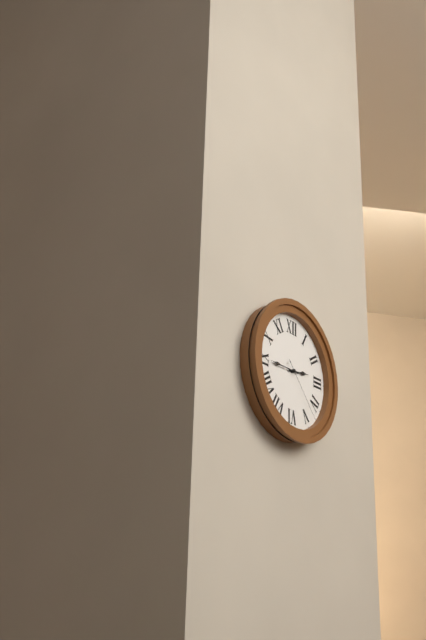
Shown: 2:45:23
